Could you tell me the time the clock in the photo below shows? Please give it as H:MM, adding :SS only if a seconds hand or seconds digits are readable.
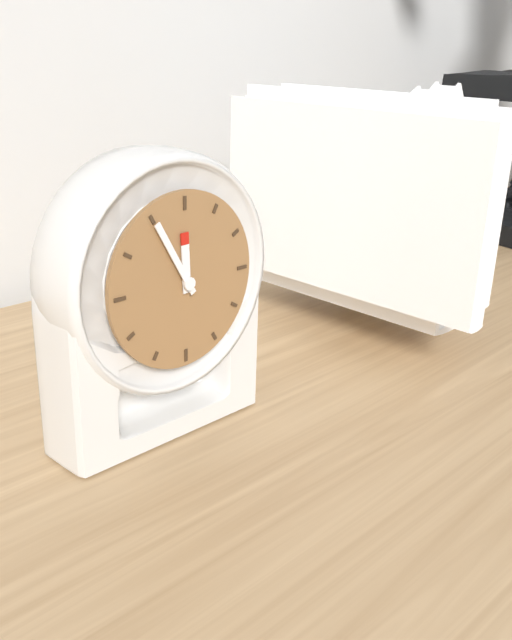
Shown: 11:55
